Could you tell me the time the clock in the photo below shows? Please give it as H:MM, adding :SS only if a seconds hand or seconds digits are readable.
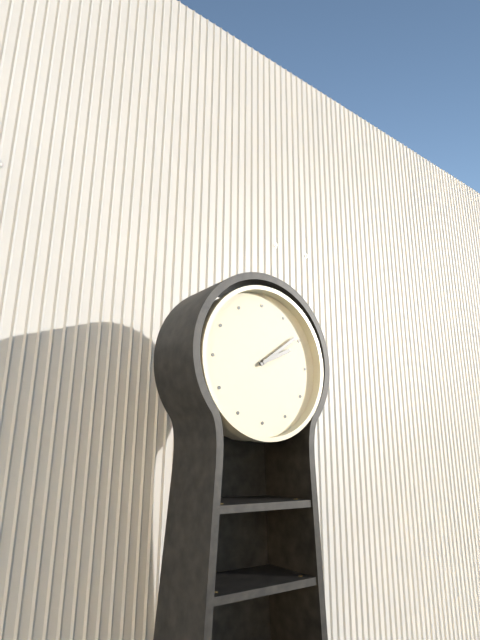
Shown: 2:09
